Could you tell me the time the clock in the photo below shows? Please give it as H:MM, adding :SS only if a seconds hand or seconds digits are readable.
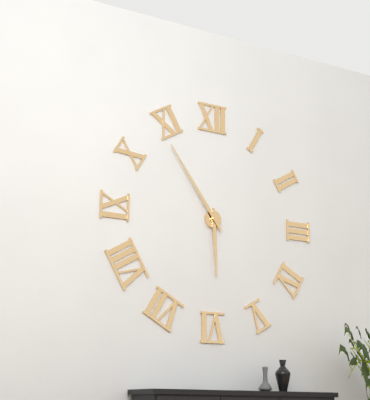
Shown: 5:54
